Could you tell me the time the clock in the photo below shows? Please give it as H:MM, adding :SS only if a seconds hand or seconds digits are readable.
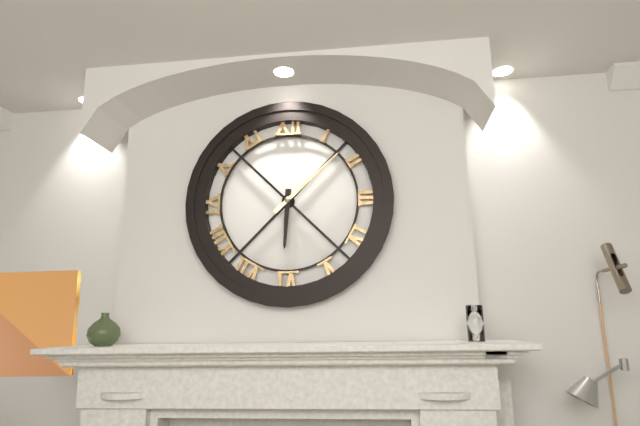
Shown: 6:08
